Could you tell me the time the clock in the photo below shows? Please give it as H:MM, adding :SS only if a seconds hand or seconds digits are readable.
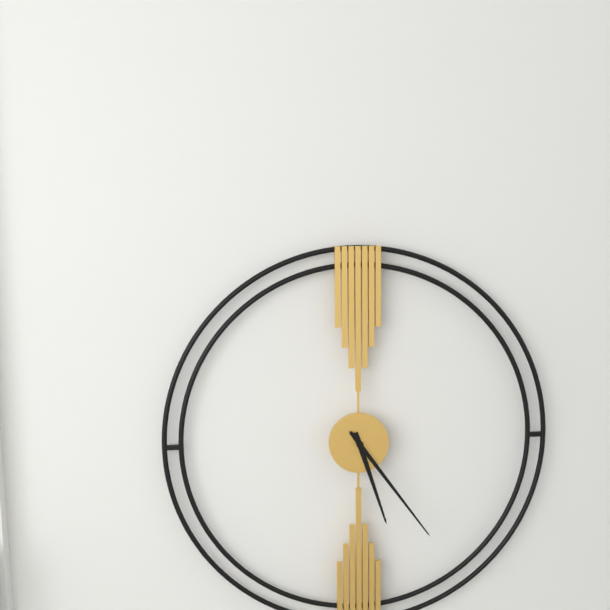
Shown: 5:24
